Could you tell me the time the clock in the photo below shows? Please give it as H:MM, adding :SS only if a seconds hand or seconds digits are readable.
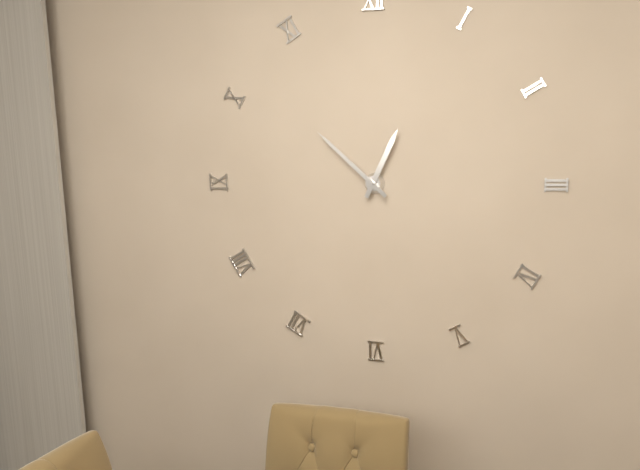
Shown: 12:52
